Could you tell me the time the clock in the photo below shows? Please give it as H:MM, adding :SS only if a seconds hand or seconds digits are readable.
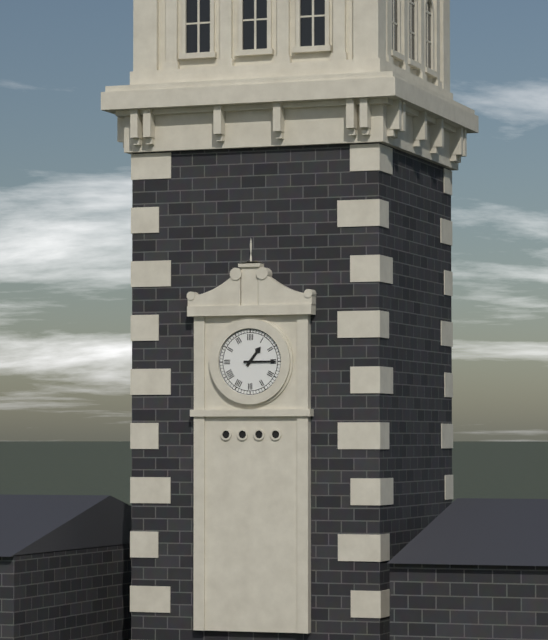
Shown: 1:15
